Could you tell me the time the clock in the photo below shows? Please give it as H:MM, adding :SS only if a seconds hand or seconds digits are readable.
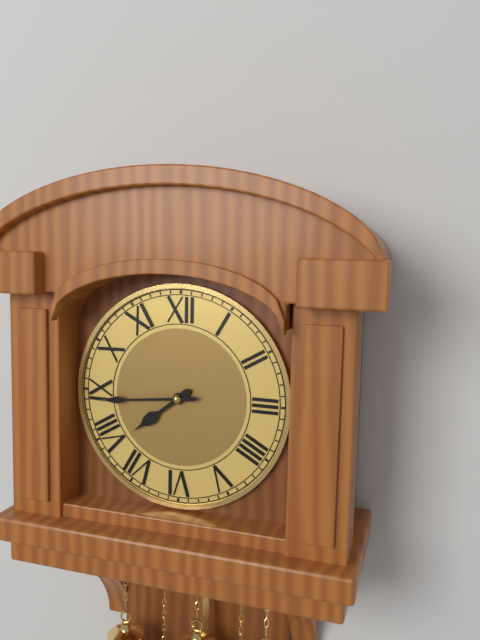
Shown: 7:44
